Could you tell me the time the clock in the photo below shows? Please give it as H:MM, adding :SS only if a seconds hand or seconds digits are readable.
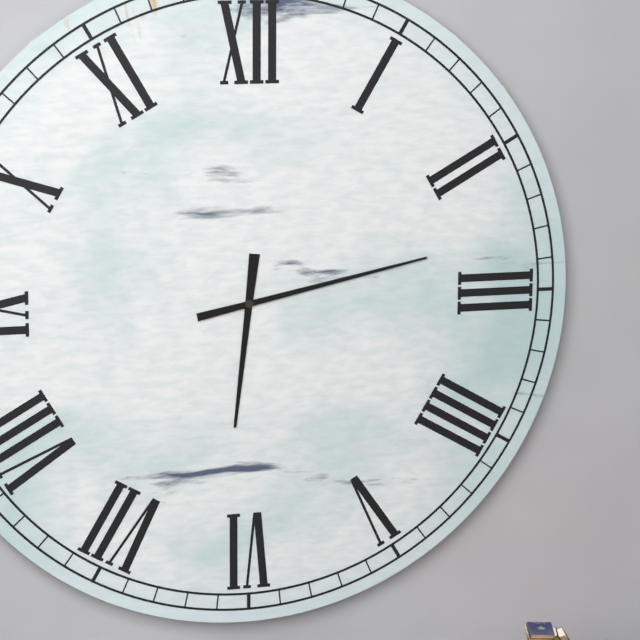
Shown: 6:13
